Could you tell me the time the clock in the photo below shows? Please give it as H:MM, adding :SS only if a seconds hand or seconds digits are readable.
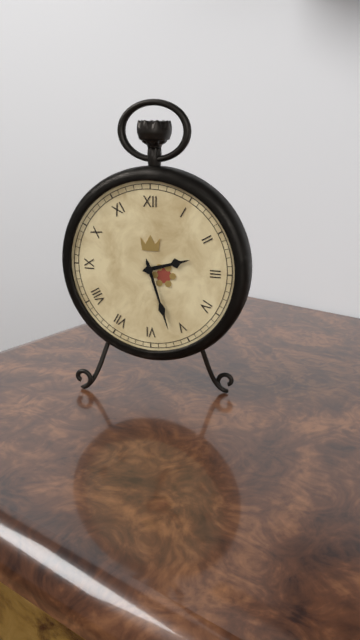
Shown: 2:27
